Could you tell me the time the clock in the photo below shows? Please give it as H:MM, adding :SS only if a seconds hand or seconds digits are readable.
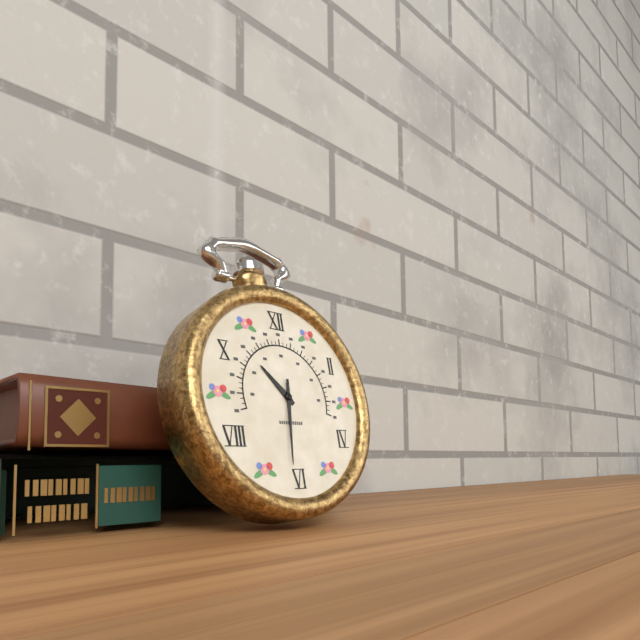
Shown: 10:31
